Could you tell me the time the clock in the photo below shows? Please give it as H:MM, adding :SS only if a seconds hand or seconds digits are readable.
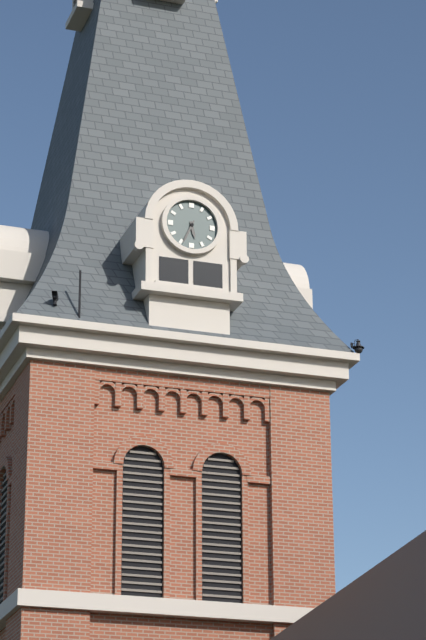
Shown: 5:34
